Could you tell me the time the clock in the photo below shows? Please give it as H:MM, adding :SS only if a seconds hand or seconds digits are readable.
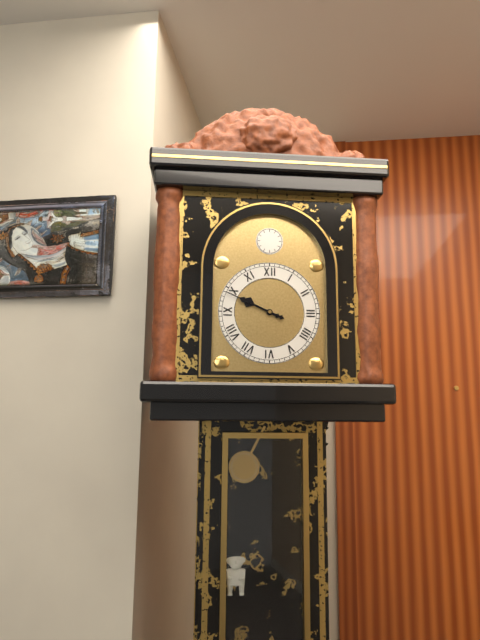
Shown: 9:49
